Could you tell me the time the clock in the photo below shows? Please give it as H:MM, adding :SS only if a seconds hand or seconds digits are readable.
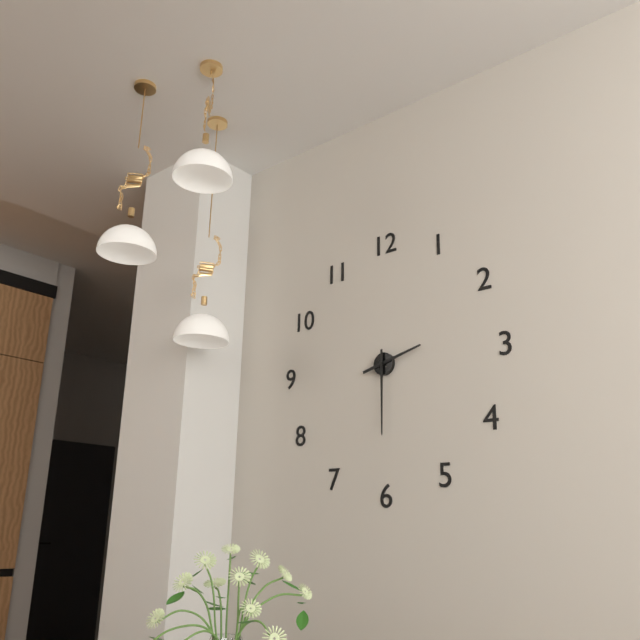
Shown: 2:30
